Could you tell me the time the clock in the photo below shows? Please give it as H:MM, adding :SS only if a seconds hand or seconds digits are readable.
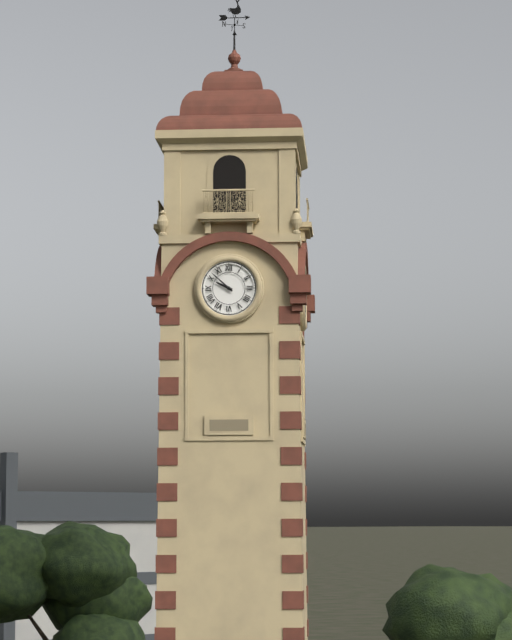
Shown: 9:52
